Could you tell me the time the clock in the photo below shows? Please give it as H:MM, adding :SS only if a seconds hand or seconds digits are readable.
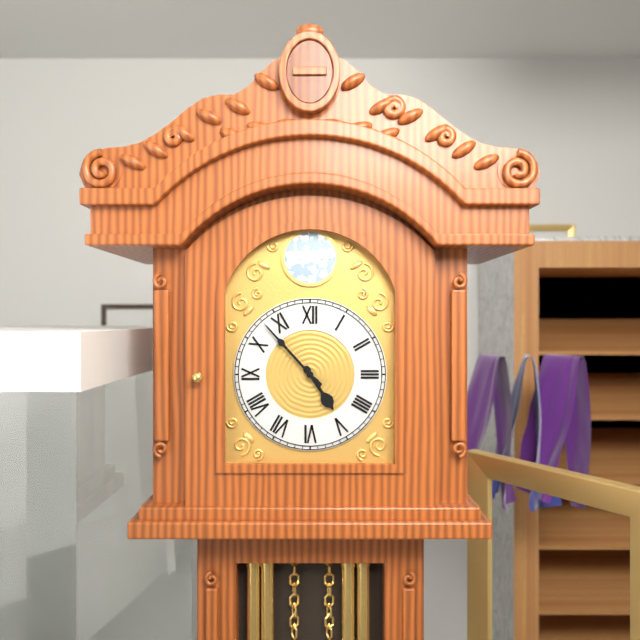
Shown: 4:53
